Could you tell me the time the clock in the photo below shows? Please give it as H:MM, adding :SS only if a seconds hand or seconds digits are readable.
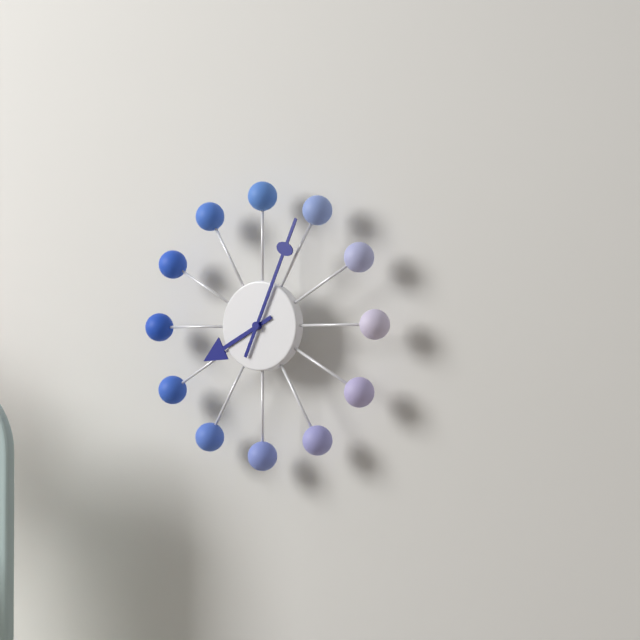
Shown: 8:04
